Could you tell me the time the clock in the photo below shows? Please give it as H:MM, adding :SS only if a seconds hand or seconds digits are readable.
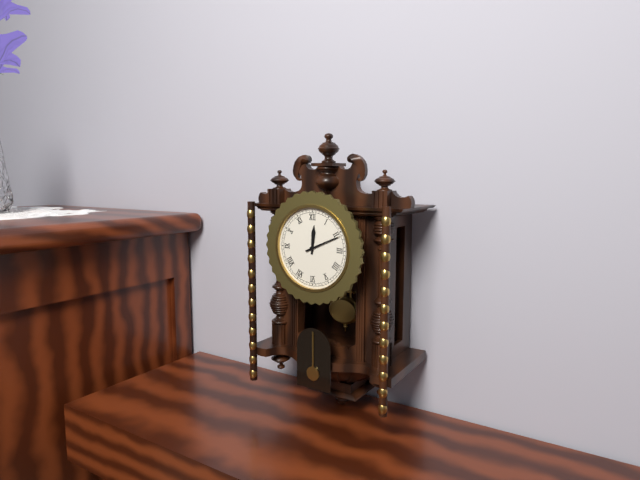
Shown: 12:11
